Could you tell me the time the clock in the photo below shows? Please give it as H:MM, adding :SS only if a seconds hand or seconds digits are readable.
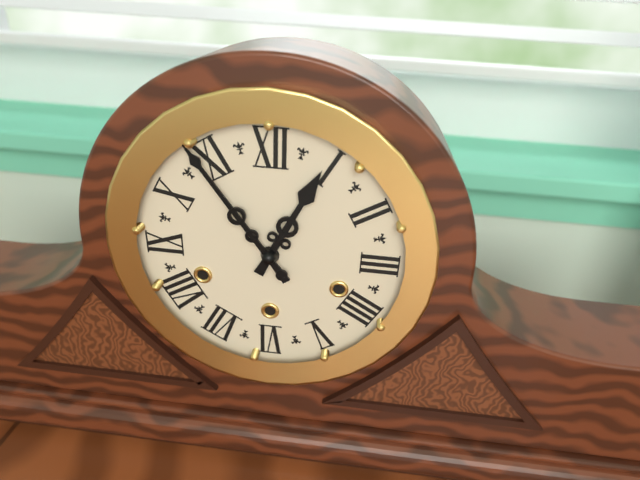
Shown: 12:54
